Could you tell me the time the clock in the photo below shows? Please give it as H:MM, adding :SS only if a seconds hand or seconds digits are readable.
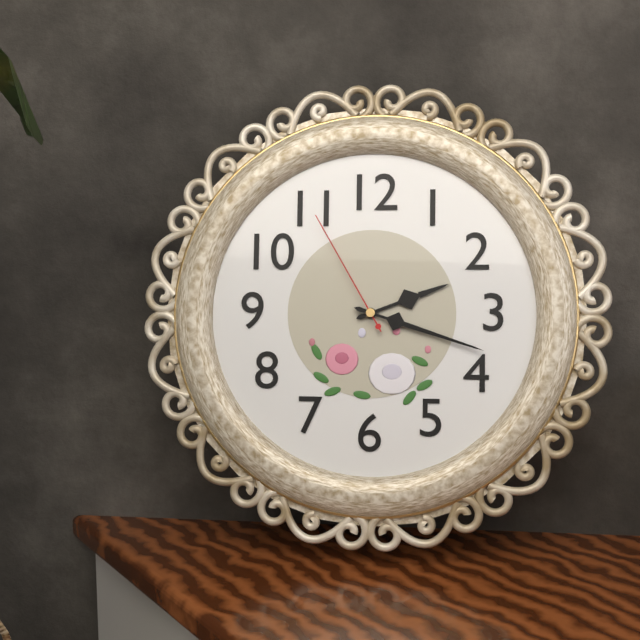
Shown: 2:18:55
